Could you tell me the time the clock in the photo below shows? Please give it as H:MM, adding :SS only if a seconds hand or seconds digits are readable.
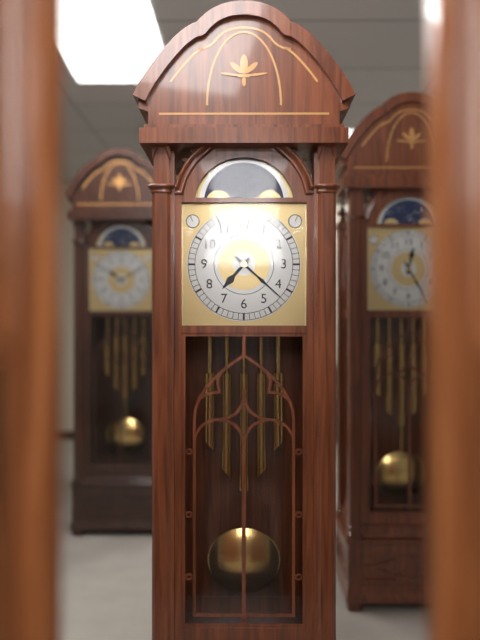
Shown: 7:22
